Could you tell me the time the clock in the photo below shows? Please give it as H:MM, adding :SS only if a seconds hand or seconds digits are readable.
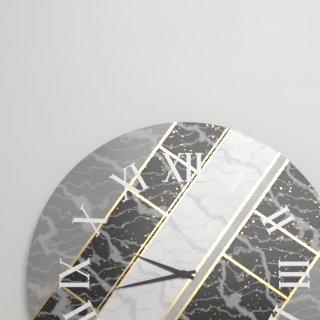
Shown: 9:43
